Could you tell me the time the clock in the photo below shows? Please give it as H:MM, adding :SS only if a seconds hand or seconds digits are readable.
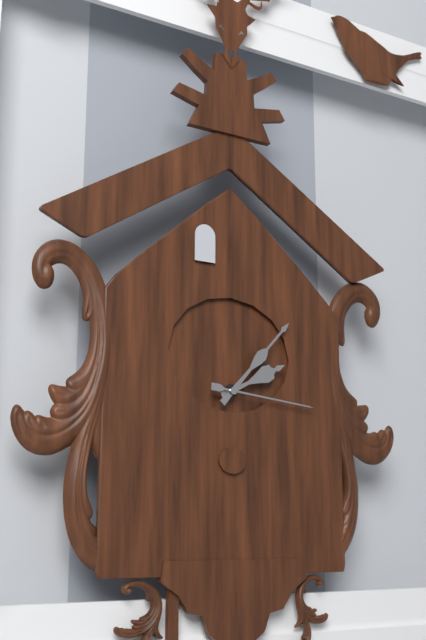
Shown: 2:07:16
